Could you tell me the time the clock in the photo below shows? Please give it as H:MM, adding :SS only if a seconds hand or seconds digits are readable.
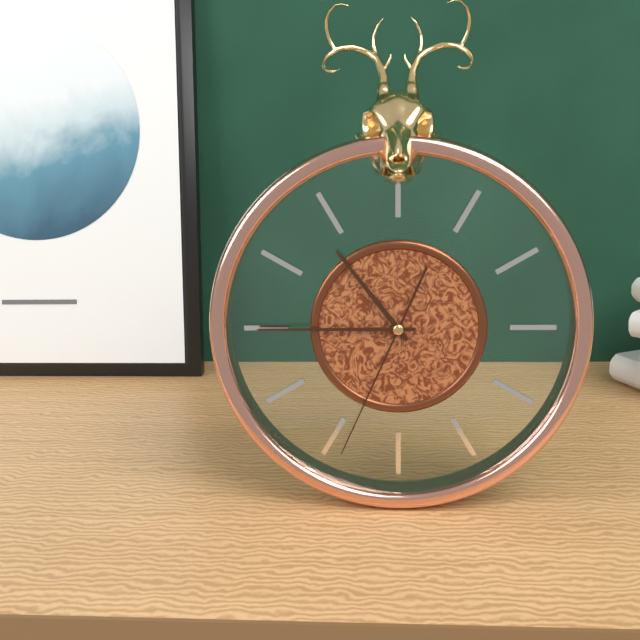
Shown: 10:45:34
